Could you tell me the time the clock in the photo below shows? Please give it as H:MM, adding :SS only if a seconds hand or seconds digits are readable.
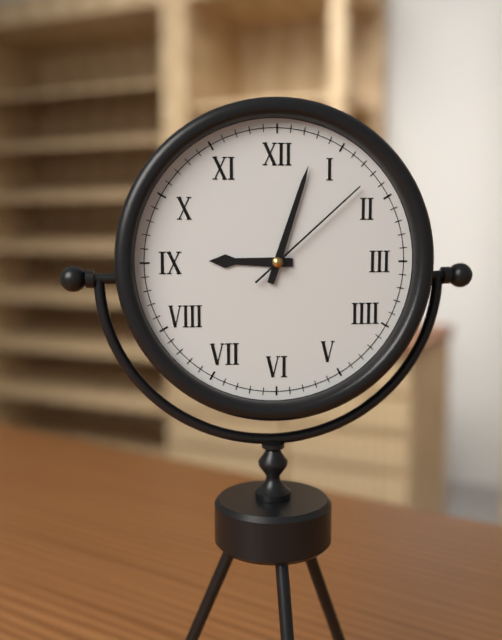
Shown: 9:03:08
